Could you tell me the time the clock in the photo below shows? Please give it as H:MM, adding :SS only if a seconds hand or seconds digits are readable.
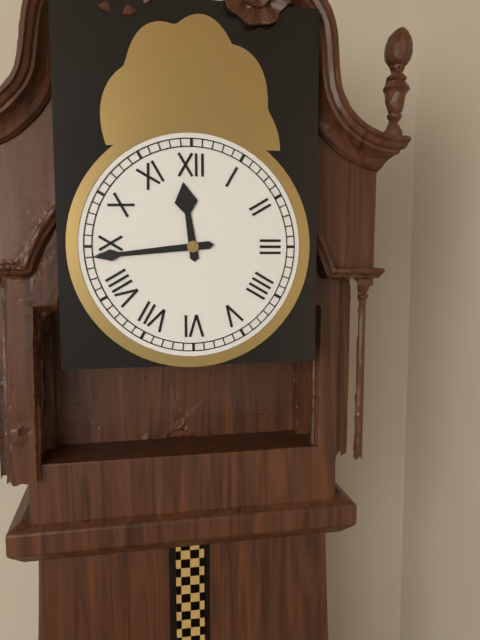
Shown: 11:44
